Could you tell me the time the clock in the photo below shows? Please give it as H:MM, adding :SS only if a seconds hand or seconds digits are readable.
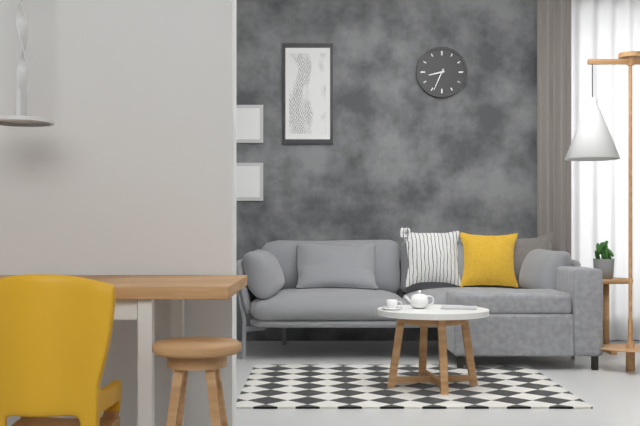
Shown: 8:34
